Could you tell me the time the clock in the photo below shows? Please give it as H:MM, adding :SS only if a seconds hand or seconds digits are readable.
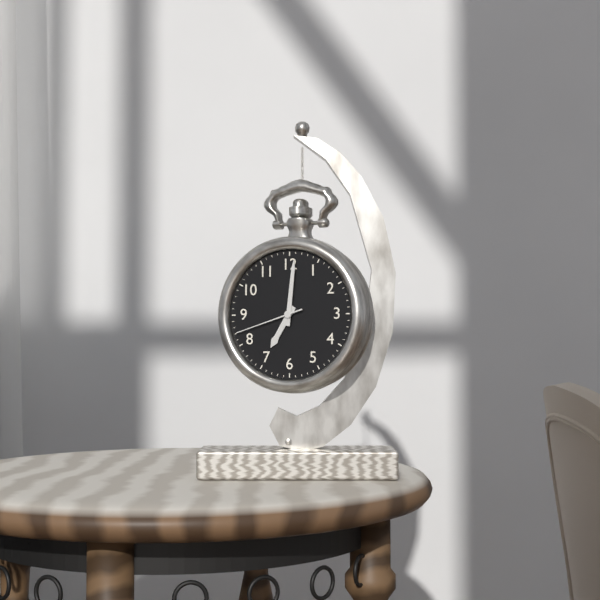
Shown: 7:01:42
